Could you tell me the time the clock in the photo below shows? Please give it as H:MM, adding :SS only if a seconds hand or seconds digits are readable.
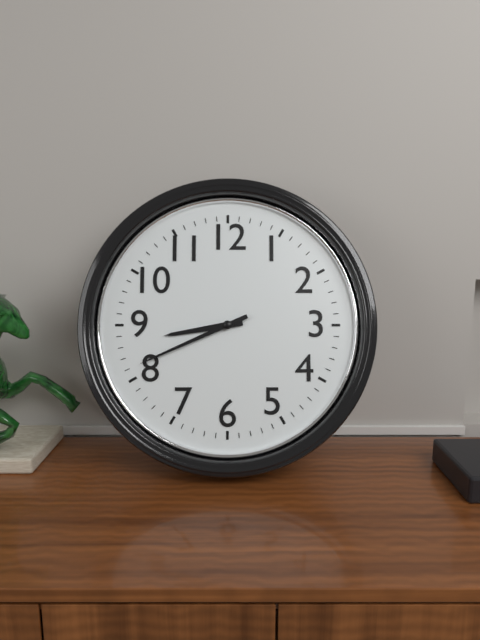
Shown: 8:41
